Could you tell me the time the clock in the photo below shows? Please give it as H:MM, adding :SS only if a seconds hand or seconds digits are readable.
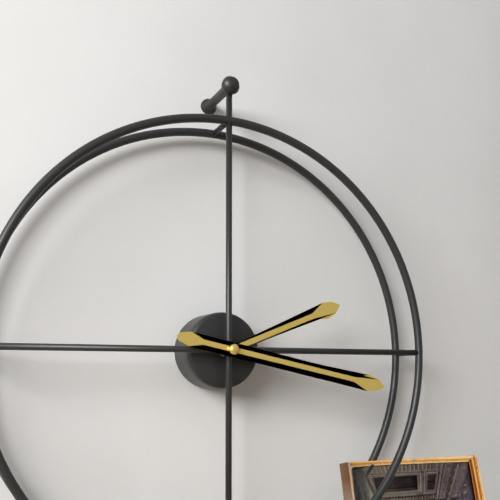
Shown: 2:17
